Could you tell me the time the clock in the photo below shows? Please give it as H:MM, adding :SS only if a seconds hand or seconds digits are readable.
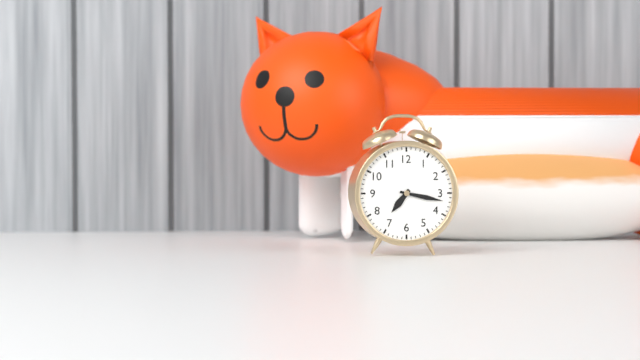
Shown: 7:17
